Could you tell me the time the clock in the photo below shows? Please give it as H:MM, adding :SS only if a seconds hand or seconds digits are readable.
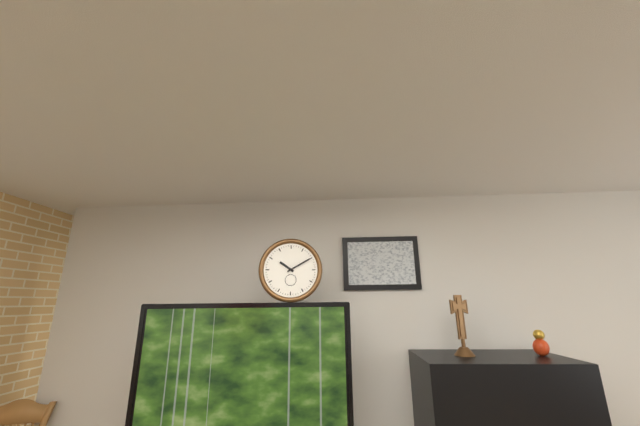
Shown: 10:10
